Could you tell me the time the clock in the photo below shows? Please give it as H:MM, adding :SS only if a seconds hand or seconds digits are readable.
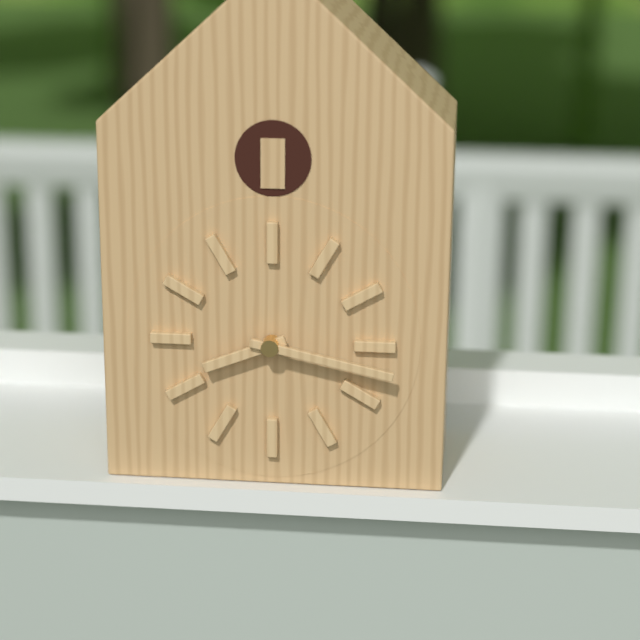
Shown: 8:17
